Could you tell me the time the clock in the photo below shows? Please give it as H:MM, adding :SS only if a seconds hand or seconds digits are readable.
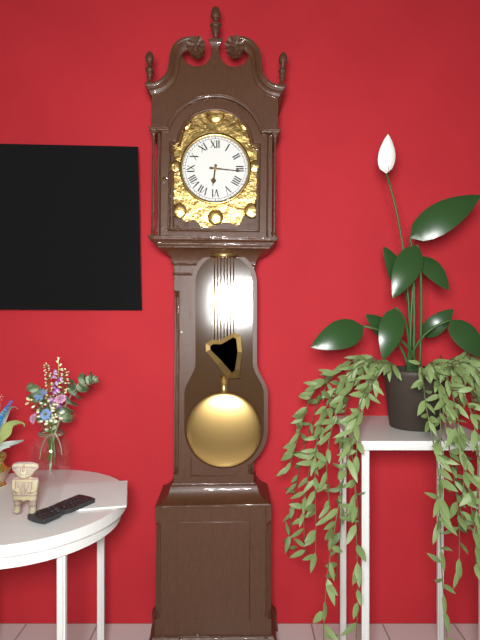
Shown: 6:16
